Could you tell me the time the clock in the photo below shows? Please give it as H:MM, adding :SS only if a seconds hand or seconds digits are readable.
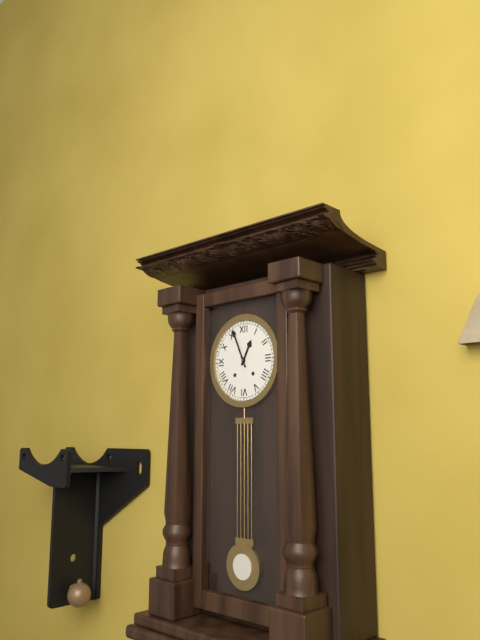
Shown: 12:56
